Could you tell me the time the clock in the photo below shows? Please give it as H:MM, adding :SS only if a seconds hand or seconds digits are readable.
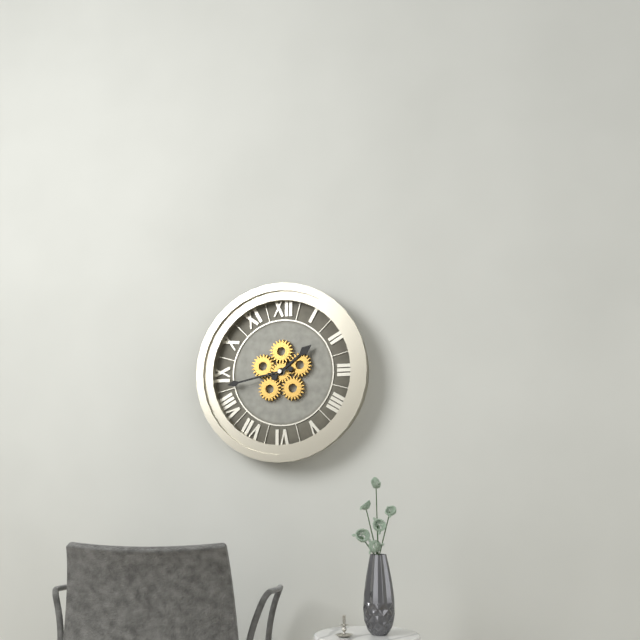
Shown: 1:43
